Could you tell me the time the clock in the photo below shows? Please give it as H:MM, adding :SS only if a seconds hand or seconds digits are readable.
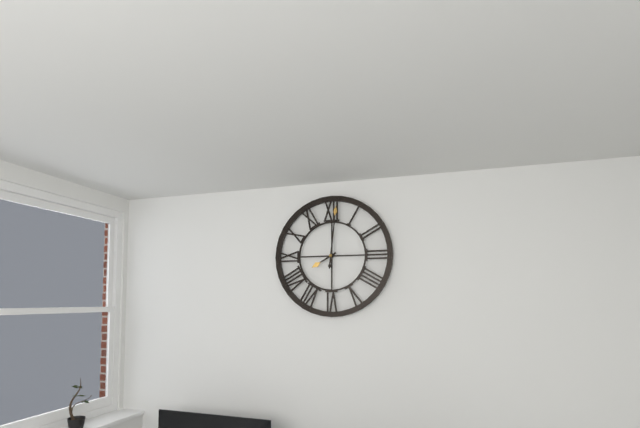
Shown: 8:01
